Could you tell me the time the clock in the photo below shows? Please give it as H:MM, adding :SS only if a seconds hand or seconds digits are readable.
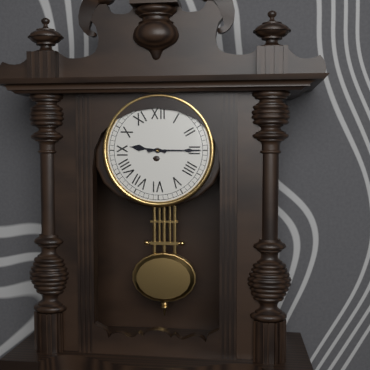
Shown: 9:15
